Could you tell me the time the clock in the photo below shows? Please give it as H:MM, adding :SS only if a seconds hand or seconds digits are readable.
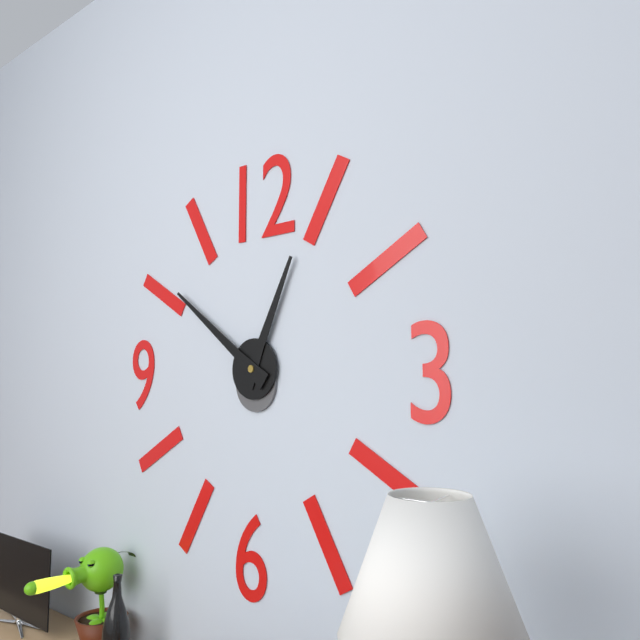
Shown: 12:51
